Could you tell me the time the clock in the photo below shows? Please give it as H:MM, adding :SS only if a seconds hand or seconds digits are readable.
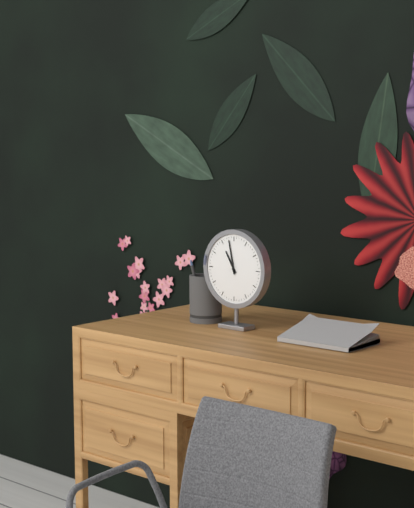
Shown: 10:58
